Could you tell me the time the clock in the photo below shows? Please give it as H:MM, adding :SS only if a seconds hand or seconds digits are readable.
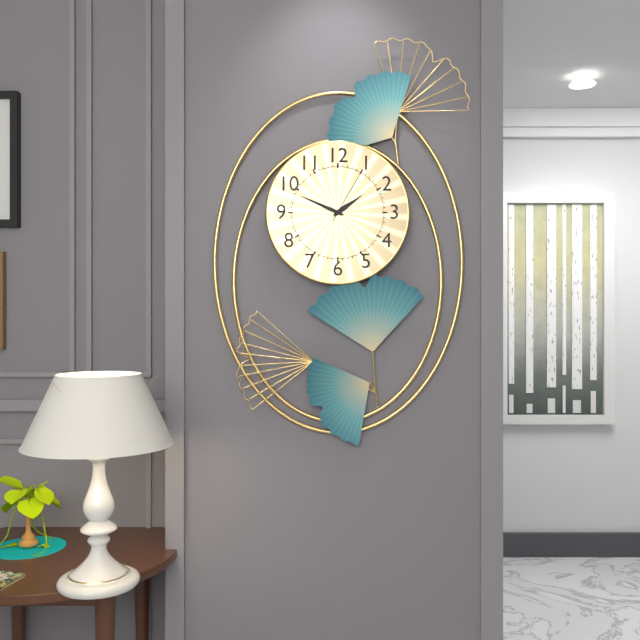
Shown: 1:49:05
